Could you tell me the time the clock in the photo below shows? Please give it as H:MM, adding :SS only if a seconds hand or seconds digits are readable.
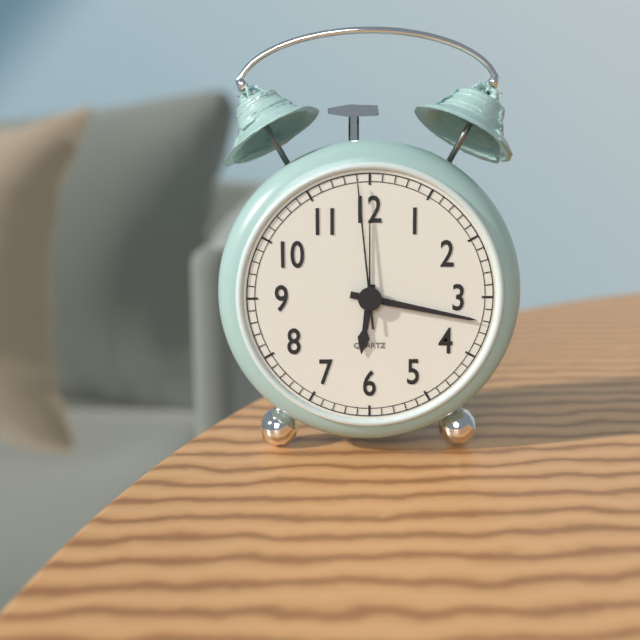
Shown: 6:17:59
